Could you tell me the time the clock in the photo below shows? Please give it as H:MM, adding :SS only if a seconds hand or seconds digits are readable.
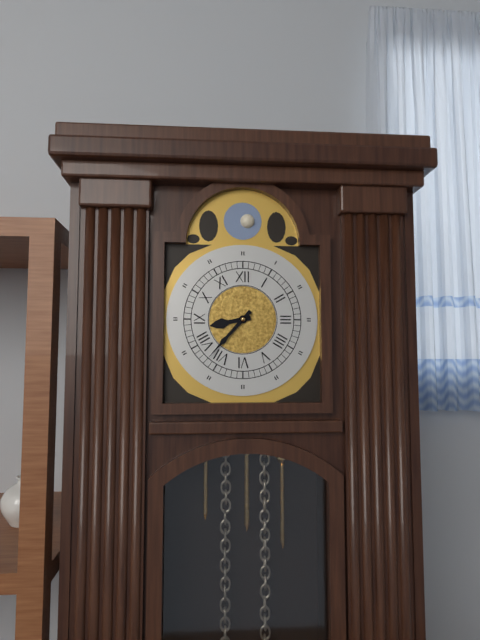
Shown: 8:37
